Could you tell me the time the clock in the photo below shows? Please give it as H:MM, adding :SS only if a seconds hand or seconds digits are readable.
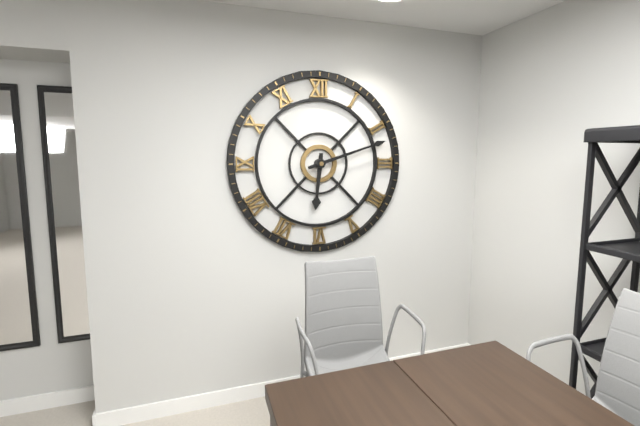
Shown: 6:12
